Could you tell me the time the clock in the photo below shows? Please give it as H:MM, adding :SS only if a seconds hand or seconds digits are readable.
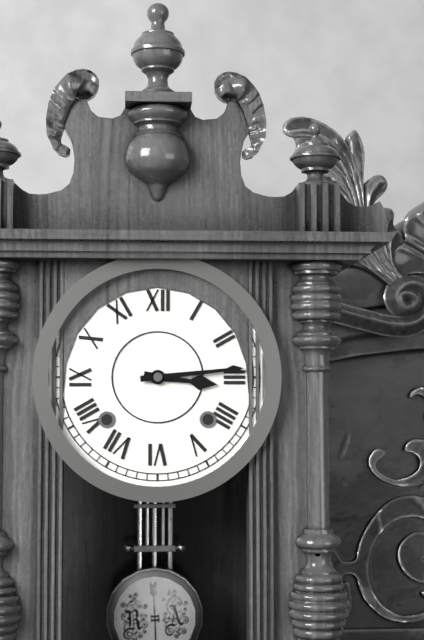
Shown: 3:14
